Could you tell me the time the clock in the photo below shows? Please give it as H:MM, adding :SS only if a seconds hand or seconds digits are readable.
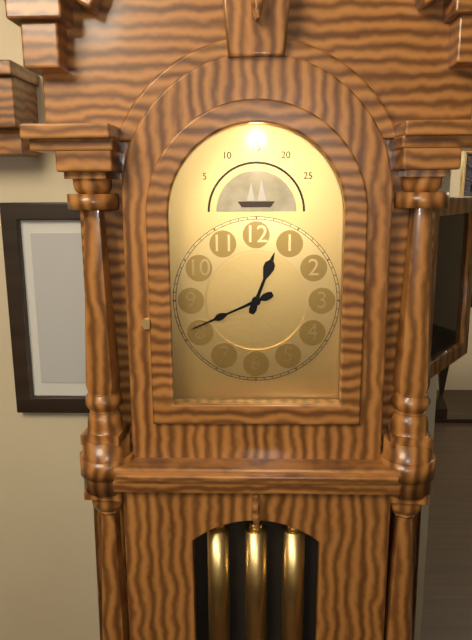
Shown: 12:41
